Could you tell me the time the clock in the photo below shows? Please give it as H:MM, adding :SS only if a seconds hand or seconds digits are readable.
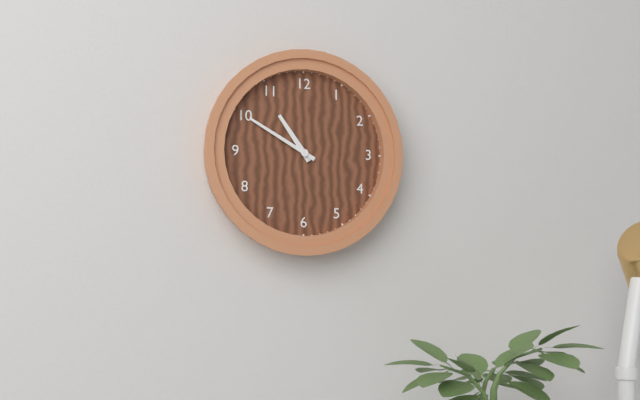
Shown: 10:50
